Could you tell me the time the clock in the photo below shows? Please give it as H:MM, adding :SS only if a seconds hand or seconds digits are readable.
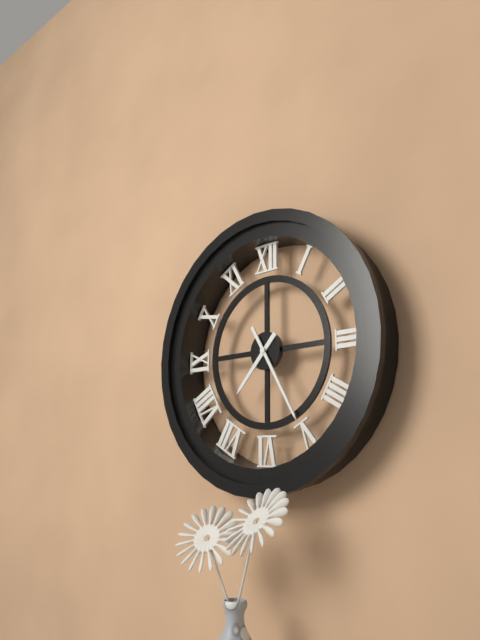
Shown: 7:25
